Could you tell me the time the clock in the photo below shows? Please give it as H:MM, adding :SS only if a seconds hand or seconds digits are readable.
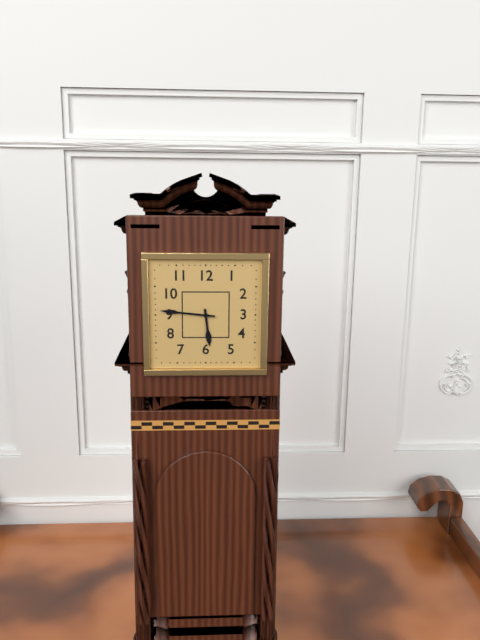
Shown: 5:46
